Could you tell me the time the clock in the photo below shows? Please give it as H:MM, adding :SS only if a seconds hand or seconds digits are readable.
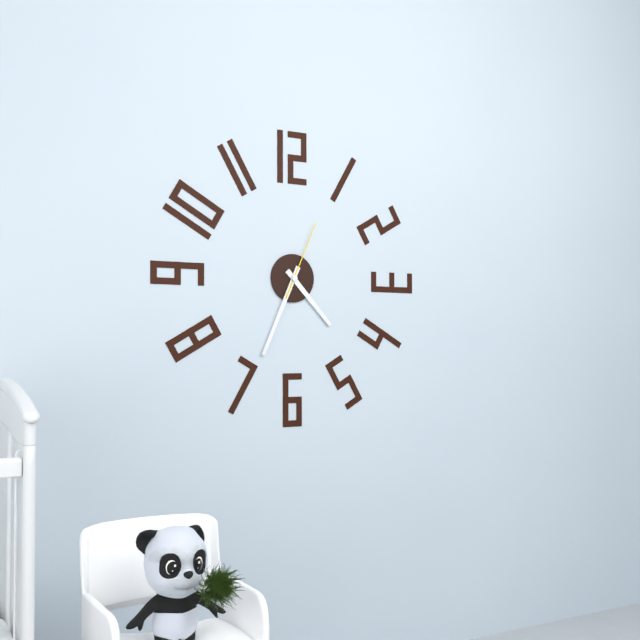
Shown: 4:34:04
